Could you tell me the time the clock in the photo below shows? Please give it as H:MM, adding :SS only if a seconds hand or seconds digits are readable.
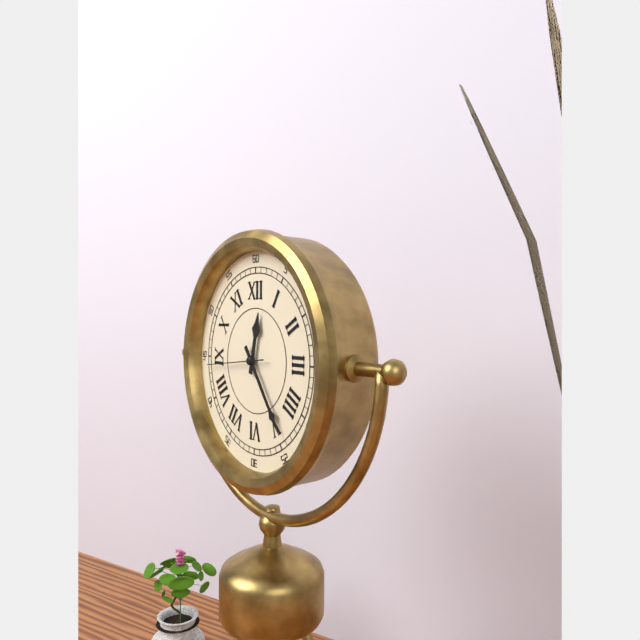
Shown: 12:24:44
